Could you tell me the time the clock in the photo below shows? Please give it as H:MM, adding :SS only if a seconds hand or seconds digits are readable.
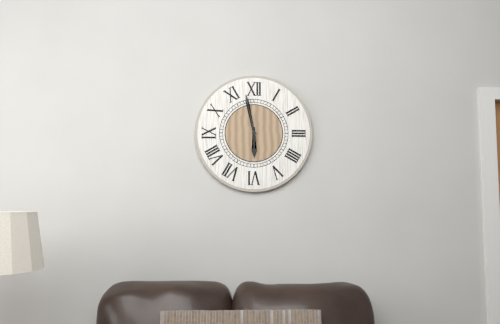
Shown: 5:58
